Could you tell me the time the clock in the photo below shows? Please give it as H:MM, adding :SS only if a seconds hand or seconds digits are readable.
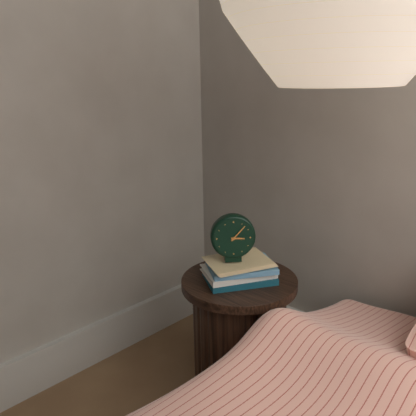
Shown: 3:07
